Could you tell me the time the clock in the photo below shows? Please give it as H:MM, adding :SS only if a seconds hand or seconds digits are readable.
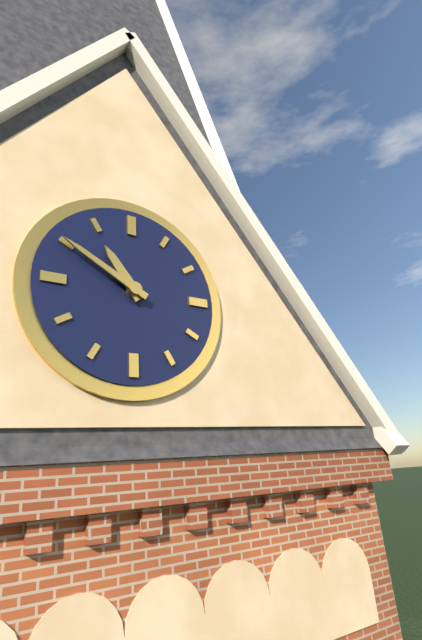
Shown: 10:50
